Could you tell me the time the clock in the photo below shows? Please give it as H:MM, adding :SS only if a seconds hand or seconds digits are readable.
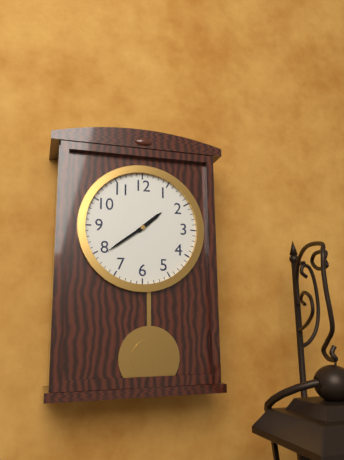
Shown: 1:39
